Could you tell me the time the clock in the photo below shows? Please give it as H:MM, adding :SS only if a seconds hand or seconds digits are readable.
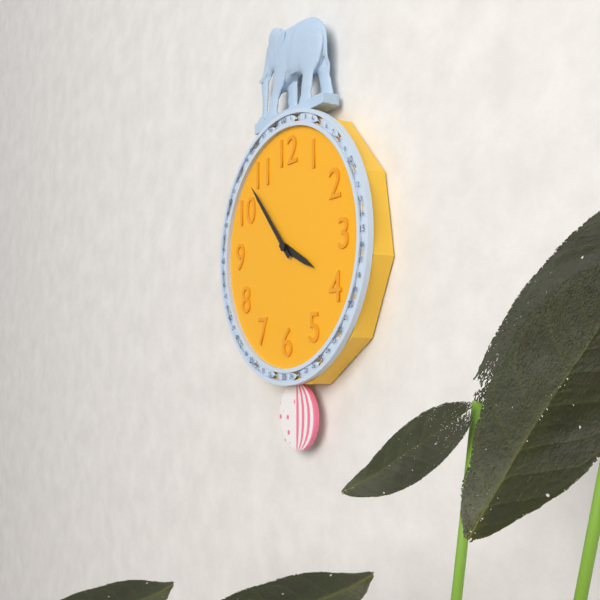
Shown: 3:53
